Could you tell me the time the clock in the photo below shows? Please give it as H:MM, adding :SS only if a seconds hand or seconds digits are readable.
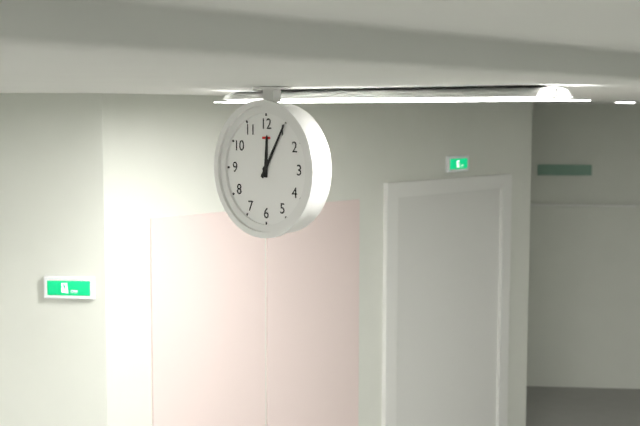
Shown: 12:05
